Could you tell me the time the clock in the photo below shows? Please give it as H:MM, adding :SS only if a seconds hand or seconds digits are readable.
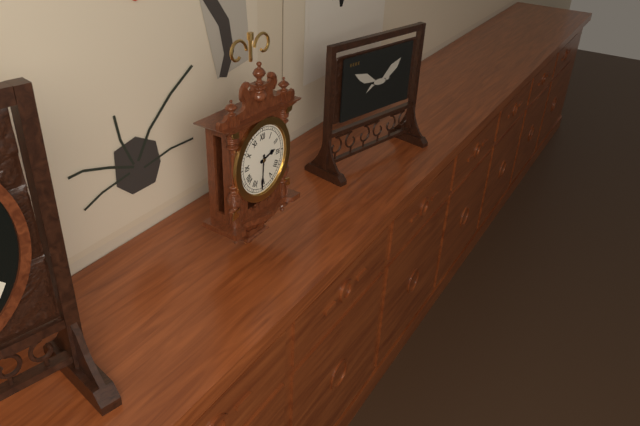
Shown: 2:31
